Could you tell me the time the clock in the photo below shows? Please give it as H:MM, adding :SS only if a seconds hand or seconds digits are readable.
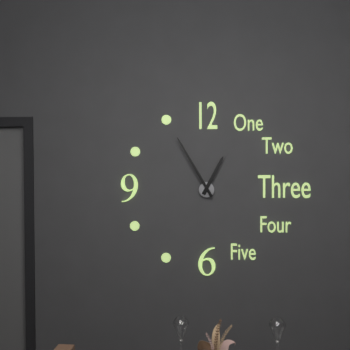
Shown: 12:55
